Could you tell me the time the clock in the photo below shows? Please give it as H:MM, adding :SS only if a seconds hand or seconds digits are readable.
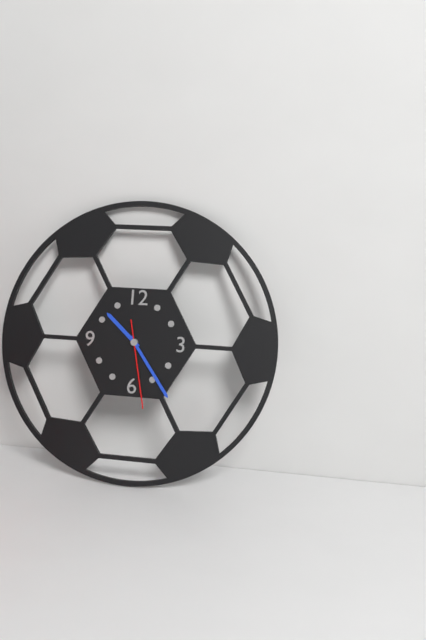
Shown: 10:24:28
